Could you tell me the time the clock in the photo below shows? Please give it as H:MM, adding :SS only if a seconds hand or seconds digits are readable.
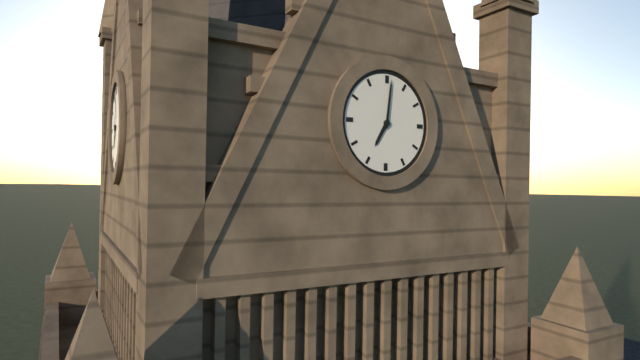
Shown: 7:01
